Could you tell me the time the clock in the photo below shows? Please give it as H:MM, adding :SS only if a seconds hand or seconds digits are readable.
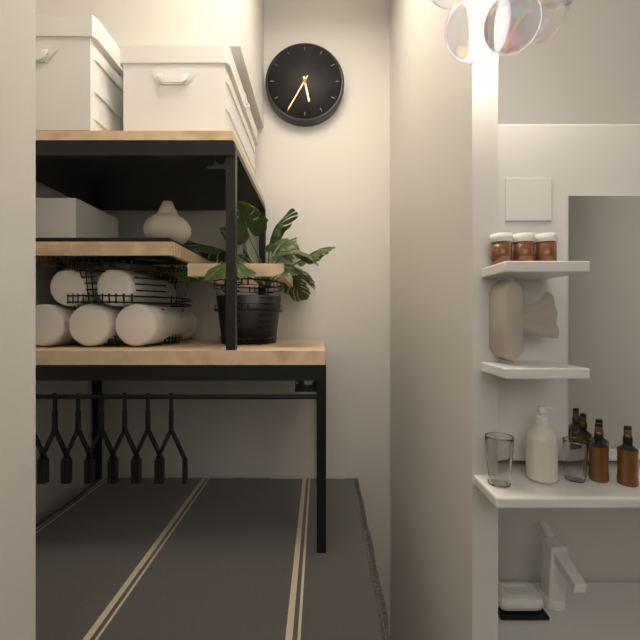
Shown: 5:35
